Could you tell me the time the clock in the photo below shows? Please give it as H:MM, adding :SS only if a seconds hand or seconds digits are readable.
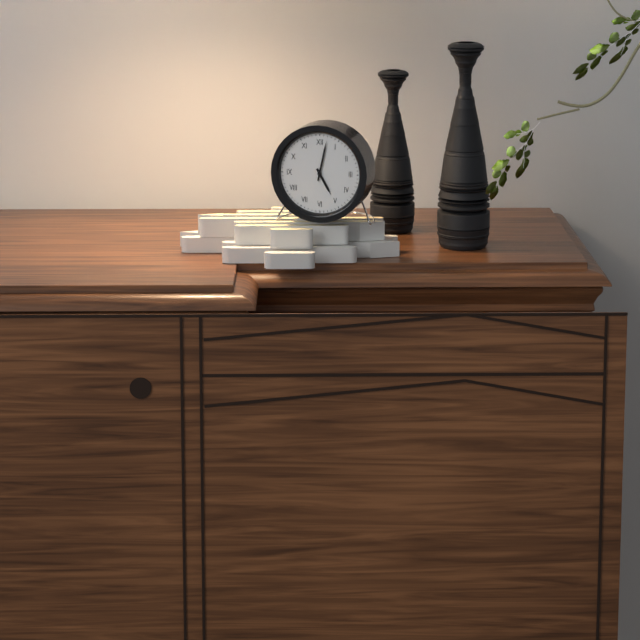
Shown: 5:02
